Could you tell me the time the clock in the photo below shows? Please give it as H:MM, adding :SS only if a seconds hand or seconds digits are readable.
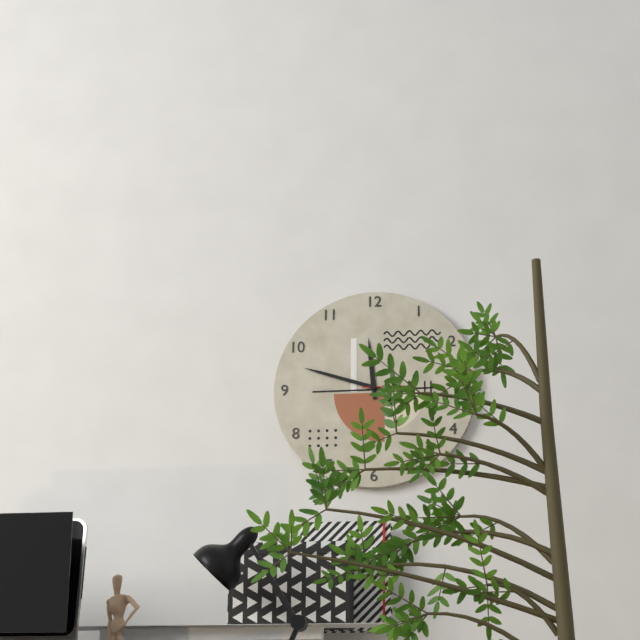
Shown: 11:48
